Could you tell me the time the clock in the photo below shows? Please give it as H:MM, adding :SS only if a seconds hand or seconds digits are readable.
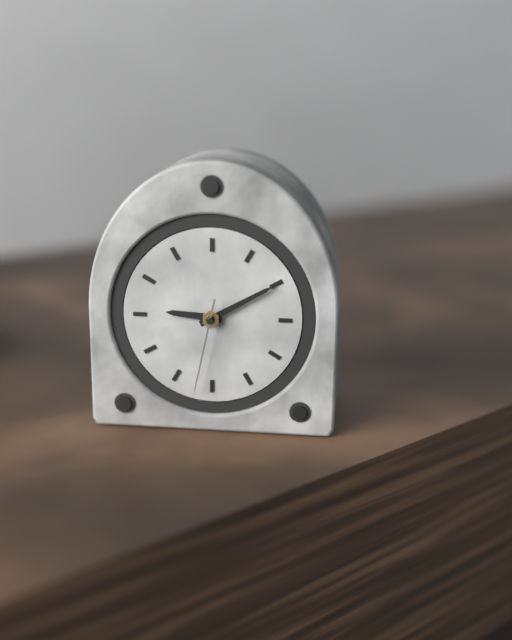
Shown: 9:10:32
